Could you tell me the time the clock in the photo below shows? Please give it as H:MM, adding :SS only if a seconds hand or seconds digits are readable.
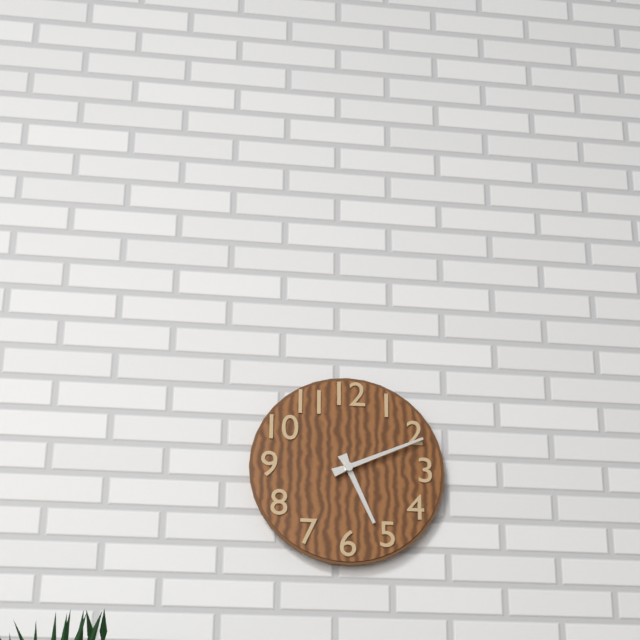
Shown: 5:11
